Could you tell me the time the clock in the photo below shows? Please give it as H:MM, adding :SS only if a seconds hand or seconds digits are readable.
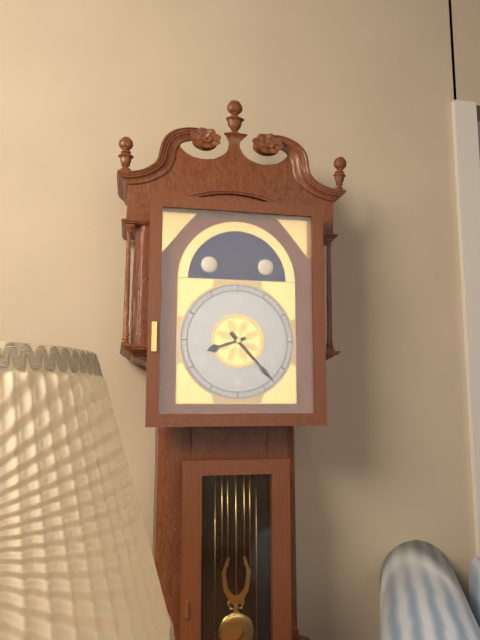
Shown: 8:23
